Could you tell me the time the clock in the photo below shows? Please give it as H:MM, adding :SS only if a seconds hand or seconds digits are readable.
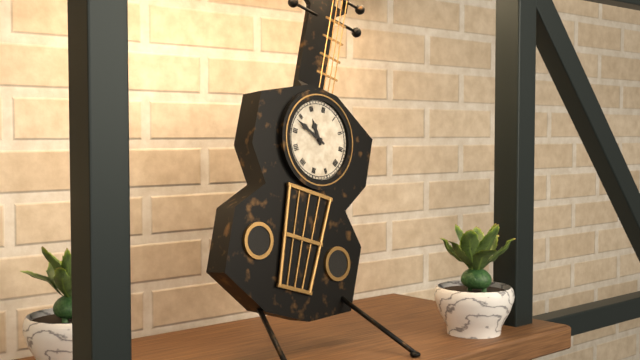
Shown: 10:48
